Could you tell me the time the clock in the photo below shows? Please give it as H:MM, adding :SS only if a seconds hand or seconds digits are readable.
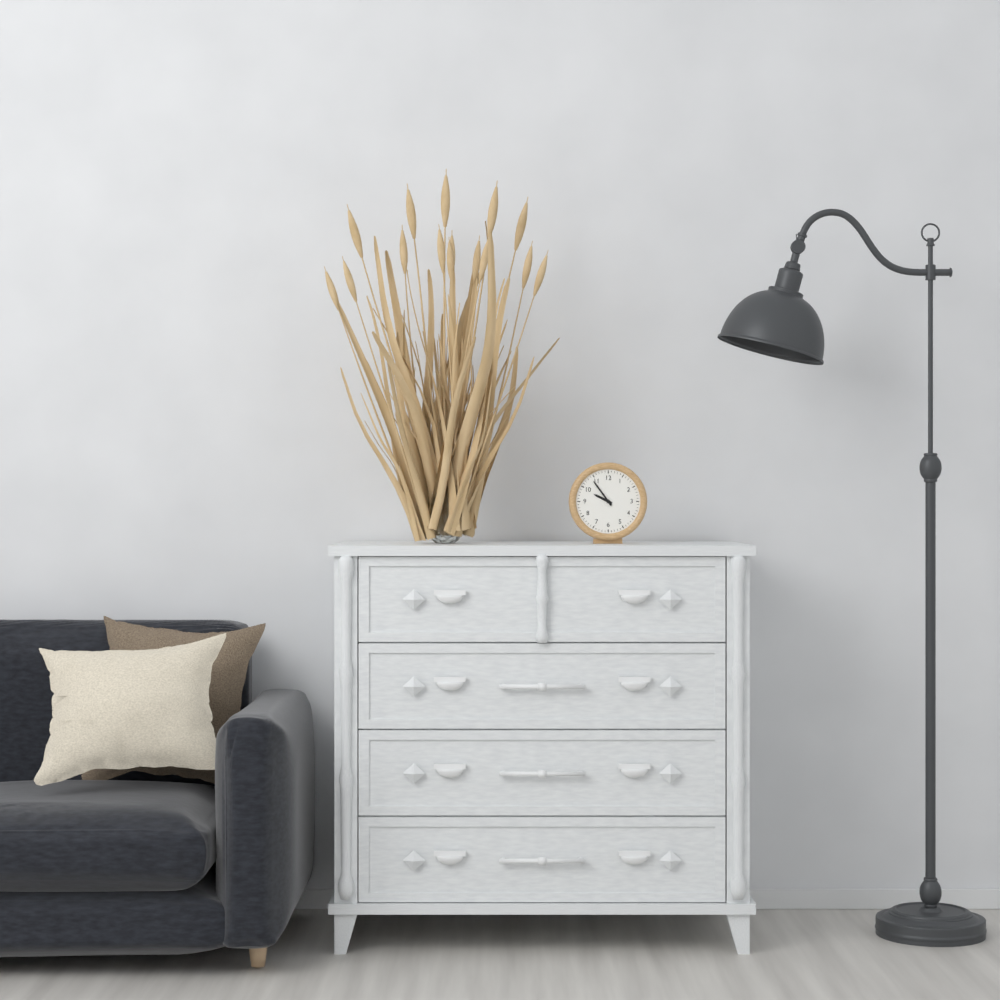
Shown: 9:54
